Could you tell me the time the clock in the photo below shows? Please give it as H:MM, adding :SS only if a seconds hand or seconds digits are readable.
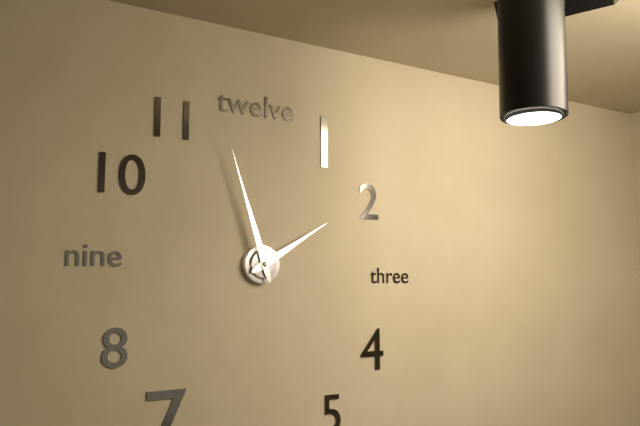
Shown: 1:57
